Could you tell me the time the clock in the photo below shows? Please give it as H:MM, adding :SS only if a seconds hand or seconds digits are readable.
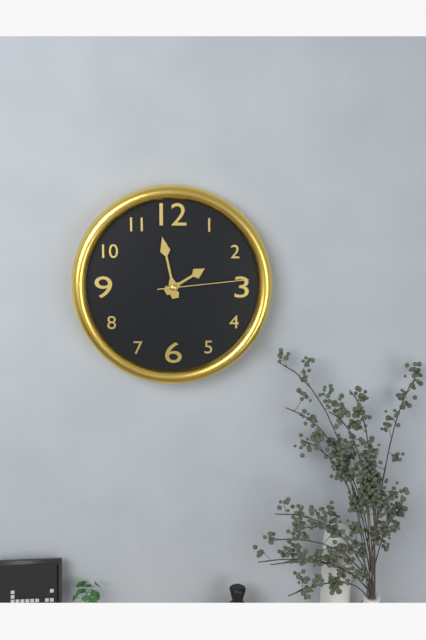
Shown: 1:58:14
